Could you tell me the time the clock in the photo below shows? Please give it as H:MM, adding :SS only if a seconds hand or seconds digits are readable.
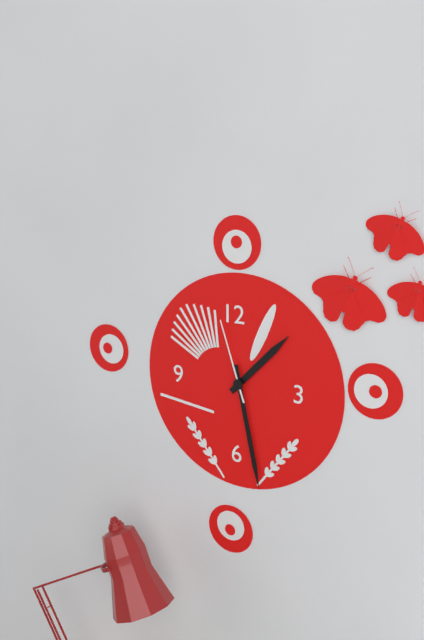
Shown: 1:28:57
